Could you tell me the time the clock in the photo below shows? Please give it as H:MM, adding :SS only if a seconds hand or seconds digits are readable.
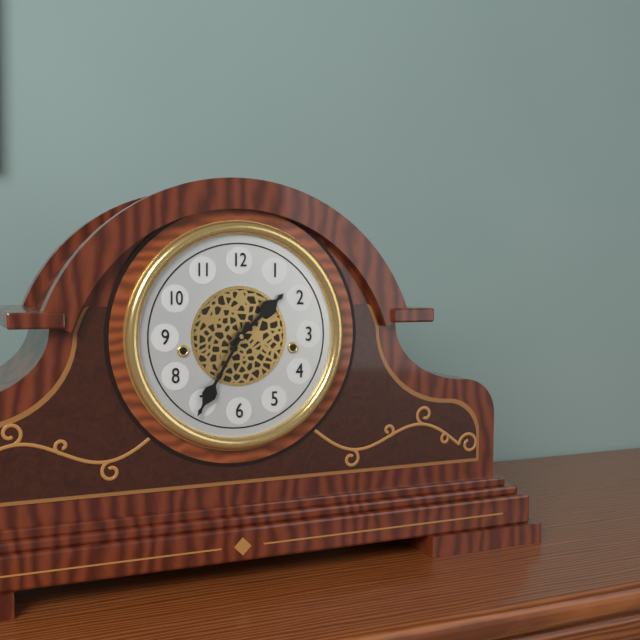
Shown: 1:35
